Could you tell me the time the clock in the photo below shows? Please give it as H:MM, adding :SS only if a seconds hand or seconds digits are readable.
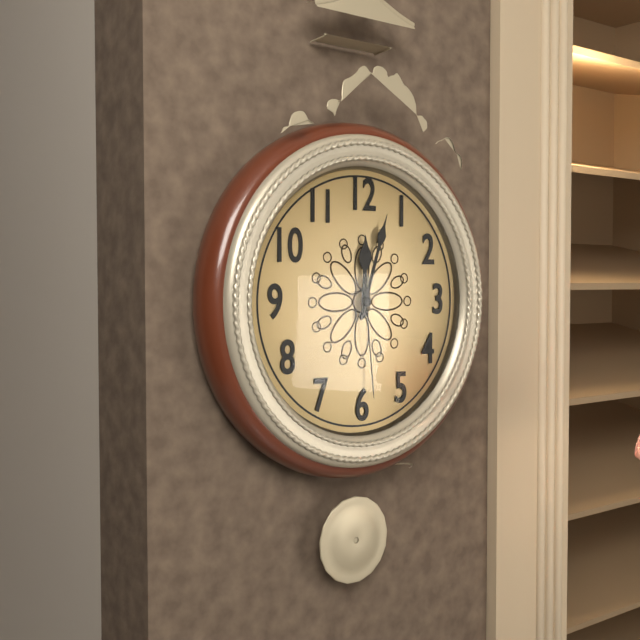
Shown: 12:03:29
